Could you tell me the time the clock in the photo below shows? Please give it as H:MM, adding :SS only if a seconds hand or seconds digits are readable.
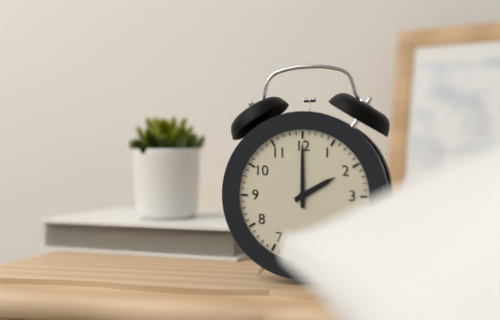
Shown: 2:00
